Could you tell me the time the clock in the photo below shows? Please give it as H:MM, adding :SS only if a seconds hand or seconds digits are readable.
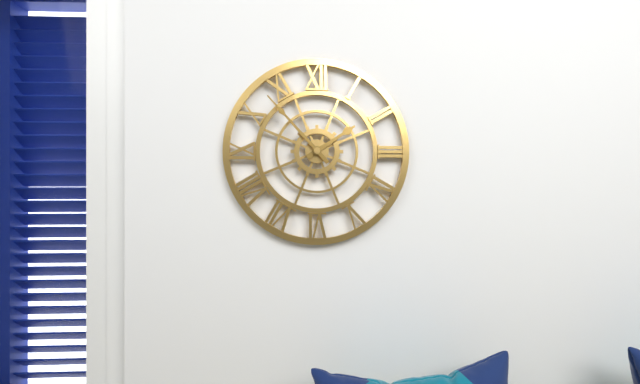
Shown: 1:53
